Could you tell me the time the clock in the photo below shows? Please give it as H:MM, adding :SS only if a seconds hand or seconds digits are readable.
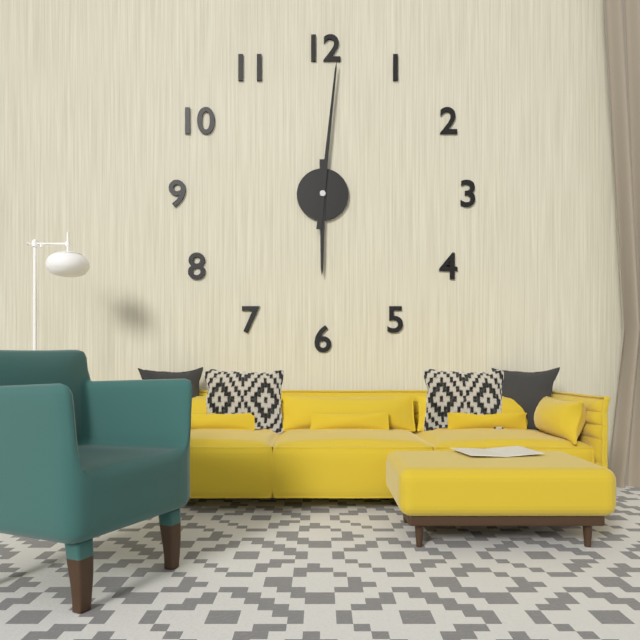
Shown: 6:01
